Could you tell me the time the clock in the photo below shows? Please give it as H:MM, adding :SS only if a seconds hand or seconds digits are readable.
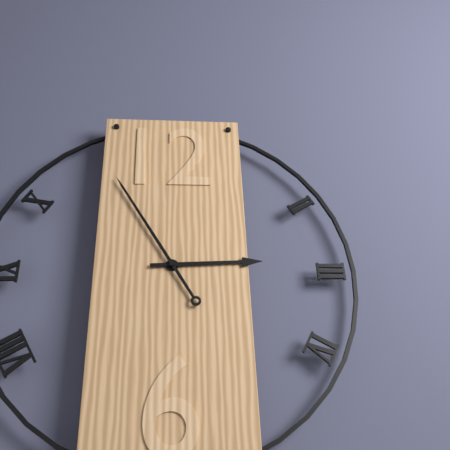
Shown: 2:55
